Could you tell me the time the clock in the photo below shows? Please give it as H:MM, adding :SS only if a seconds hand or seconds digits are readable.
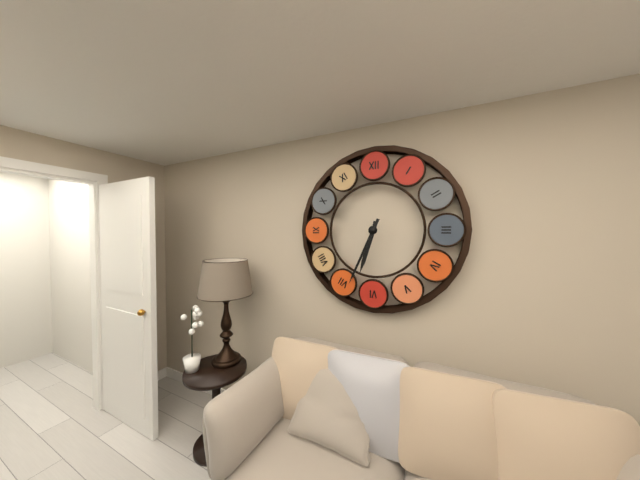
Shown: 6:34
